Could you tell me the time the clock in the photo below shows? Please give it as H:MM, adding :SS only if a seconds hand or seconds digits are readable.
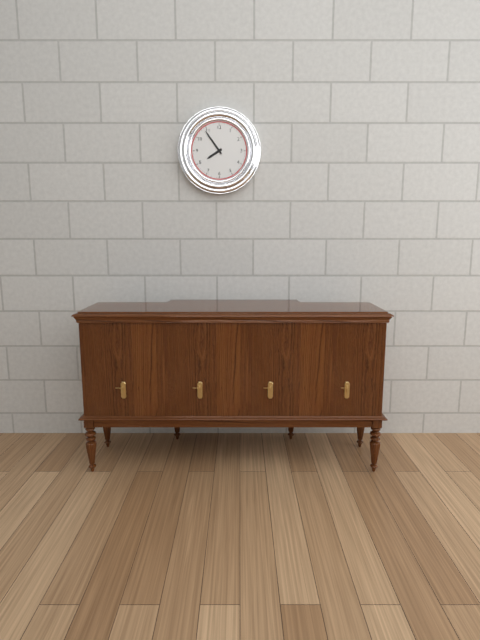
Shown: 7:54
